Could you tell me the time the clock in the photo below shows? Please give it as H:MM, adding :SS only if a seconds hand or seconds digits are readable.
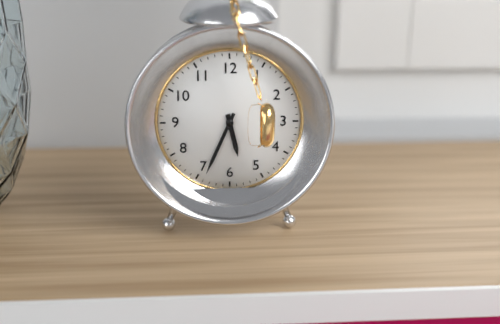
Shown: 5:34
